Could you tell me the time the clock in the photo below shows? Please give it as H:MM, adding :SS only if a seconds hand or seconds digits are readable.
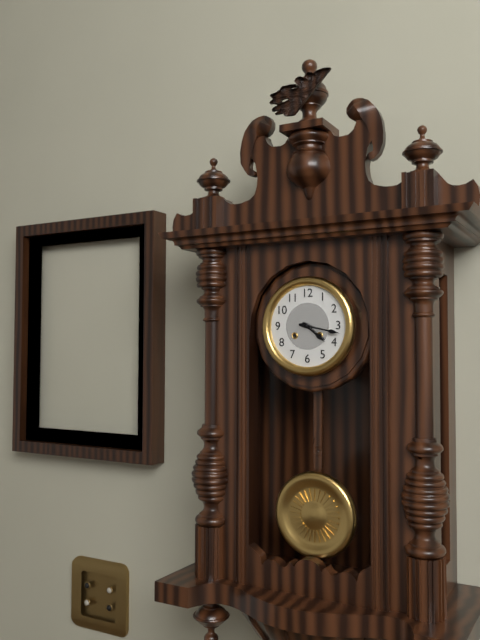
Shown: 4:17
